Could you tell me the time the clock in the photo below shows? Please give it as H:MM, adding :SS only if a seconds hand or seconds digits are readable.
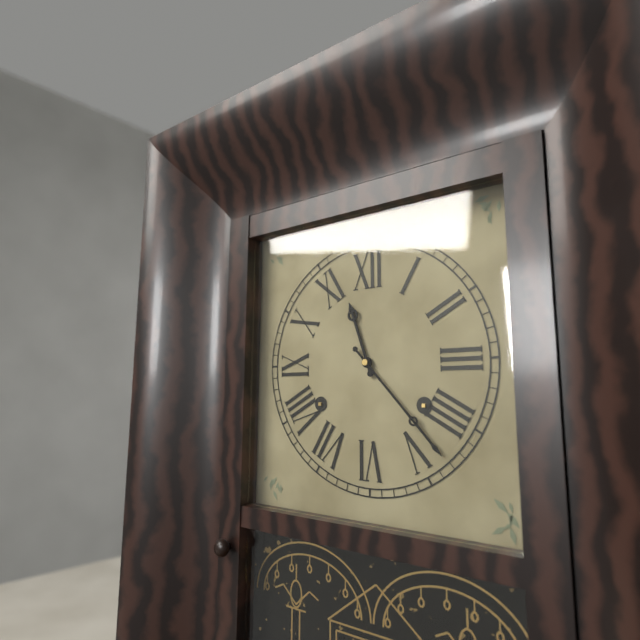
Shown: 11:23
